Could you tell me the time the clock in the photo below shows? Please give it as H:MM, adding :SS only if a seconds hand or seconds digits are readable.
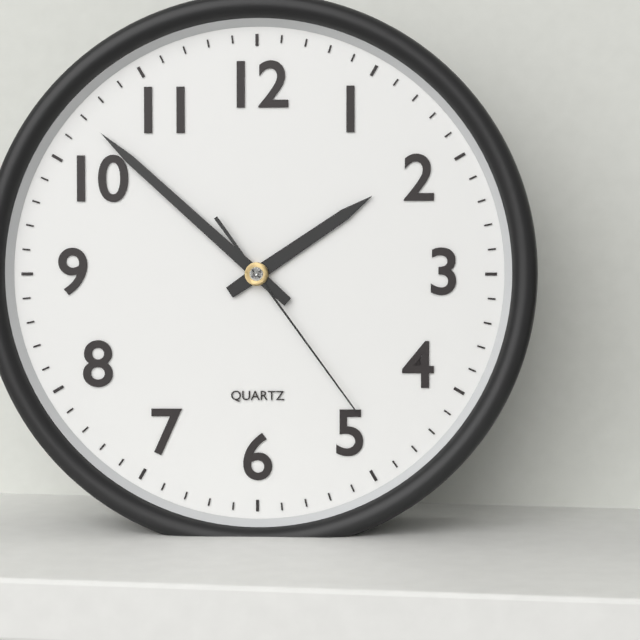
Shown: 1:52:24
